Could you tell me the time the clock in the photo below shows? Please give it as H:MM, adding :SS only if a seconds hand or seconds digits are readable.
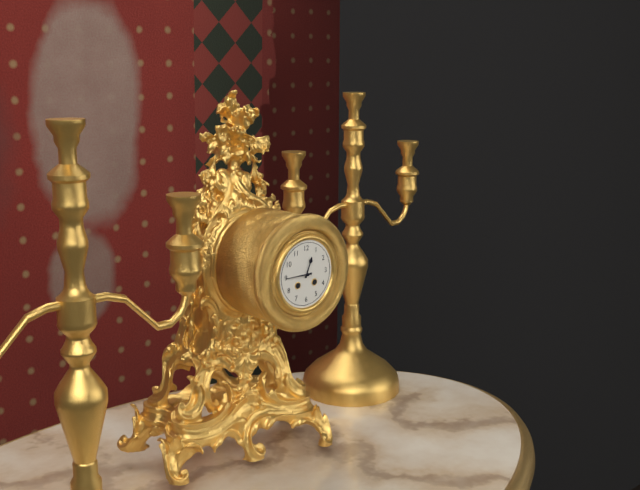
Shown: 12:45
